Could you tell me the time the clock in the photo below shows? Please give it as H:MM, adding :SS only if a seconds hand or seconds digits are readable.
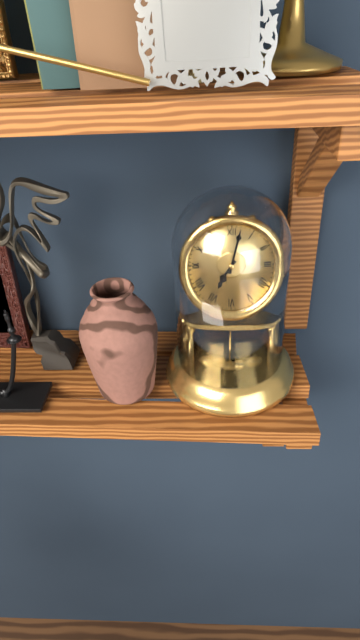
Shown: 7:02
